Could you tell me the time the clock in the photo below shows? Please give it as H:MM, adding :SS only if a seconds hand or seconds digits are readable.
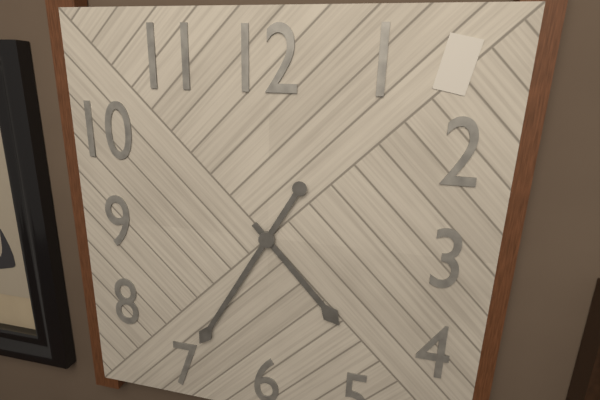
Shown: 4:35
